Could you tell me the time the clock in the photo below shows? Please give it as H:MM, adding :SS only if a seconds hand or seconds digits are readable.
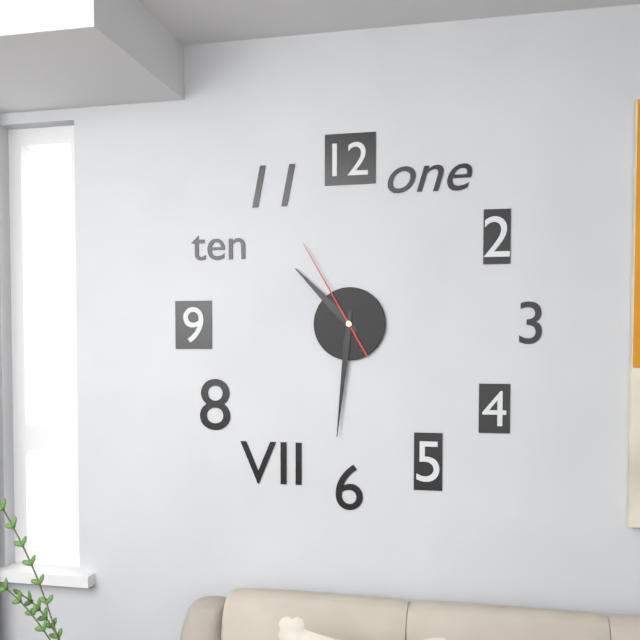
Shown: 10:31:55
